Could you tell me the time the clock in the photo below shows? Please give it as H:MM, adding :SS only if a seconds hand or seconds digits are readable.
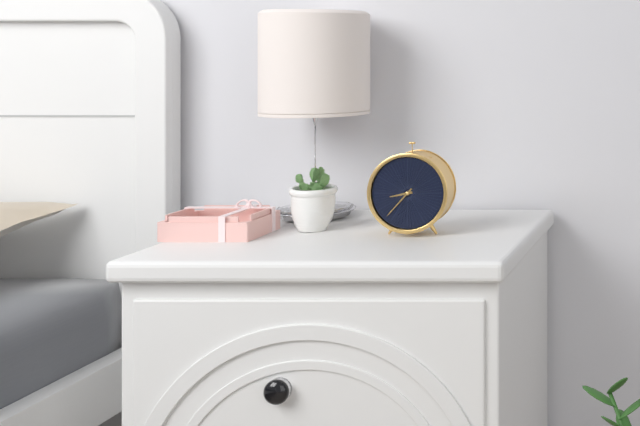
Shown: 8:37
